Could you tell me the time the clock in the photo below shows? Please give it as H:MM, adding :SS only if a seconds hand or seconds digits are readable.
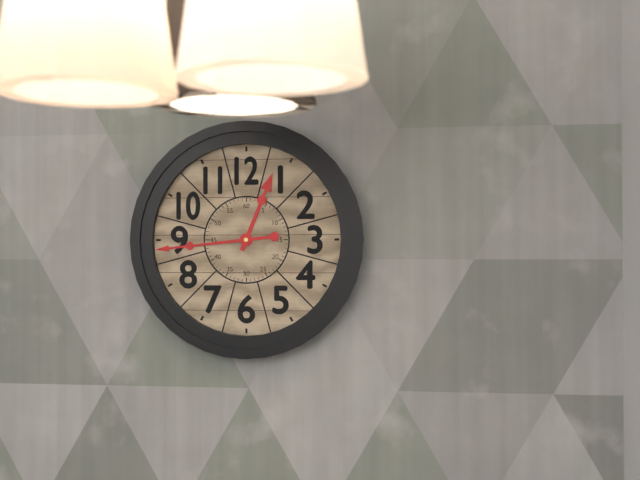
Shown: 12:44
